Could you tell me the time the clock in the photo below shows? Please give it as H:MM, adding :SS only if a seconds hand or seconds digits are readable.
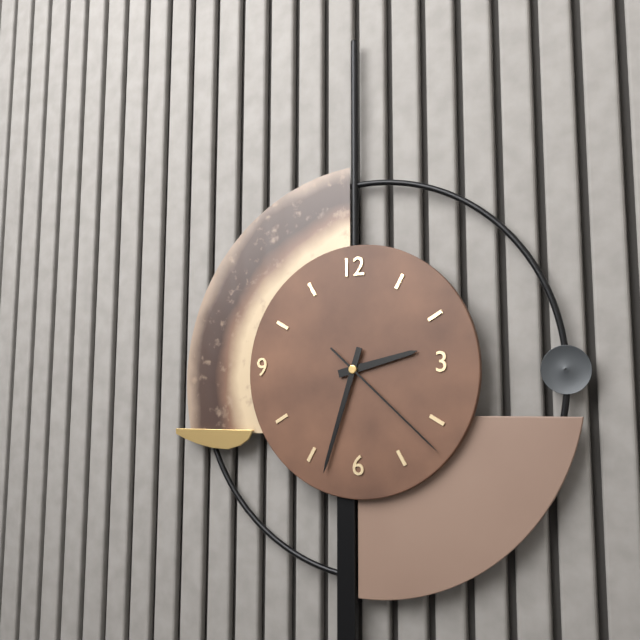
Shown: 2:33:22
